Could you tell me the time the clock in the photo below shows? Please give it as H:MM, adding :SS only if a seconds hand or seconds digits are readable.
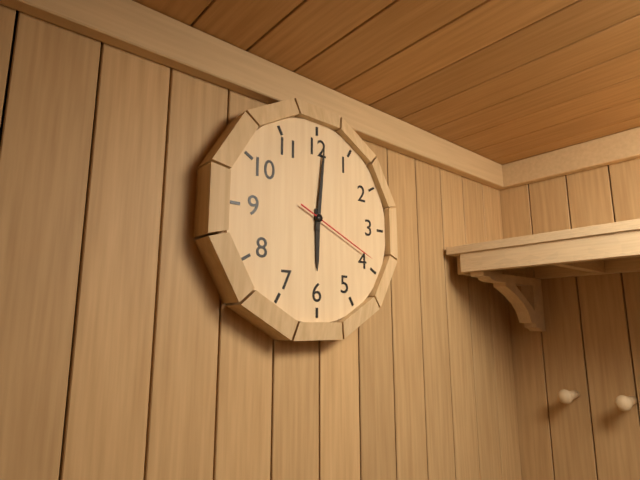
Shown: 6:01:19
